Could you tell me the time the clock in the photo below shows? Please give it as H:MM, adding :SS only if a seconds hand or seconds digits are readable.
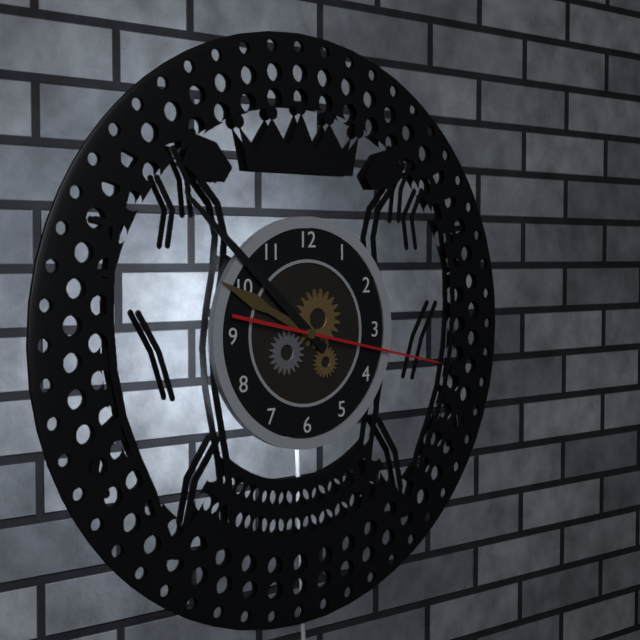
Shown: 9:52:17
